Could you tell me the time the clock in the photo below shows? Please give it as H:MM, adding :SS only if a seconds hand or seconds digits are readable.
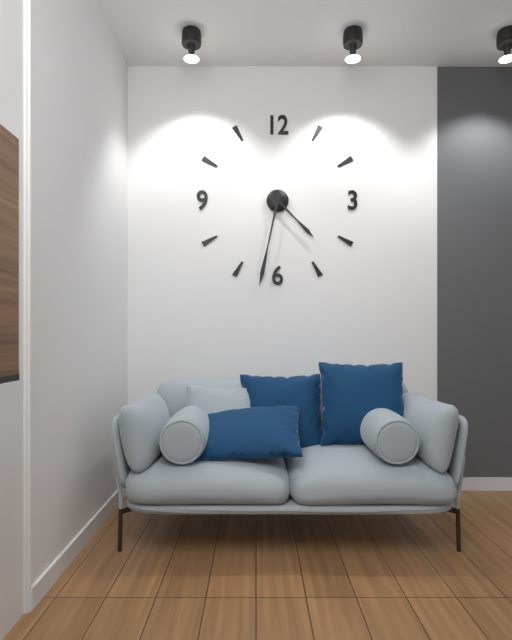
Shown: 4:32
